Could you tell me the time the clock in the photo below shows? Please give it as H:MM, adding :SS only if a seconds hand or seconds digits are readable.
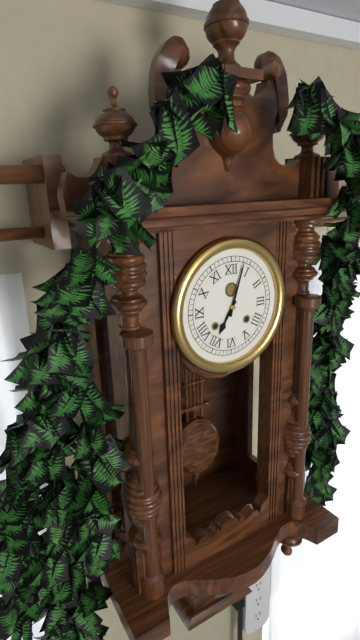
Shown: 7:03
